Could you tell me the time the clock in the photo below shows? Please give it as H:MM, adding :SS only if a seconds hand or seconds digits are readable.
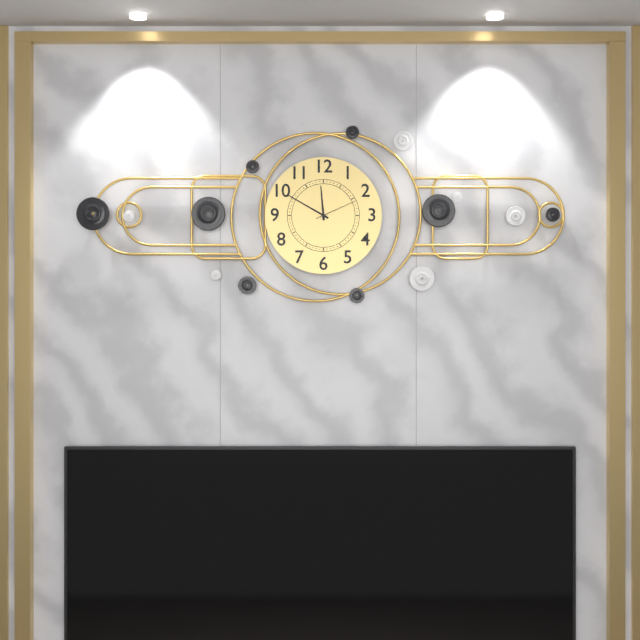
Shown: 11:50
